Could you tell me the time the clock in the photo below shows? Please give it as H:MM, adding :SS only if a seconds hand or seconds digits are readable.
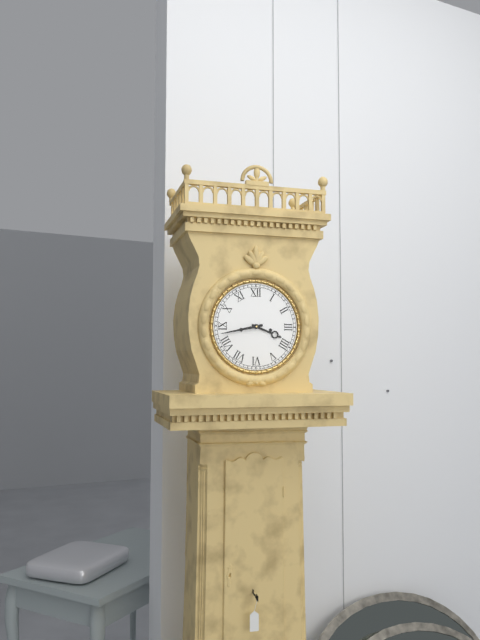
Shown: 3:43
